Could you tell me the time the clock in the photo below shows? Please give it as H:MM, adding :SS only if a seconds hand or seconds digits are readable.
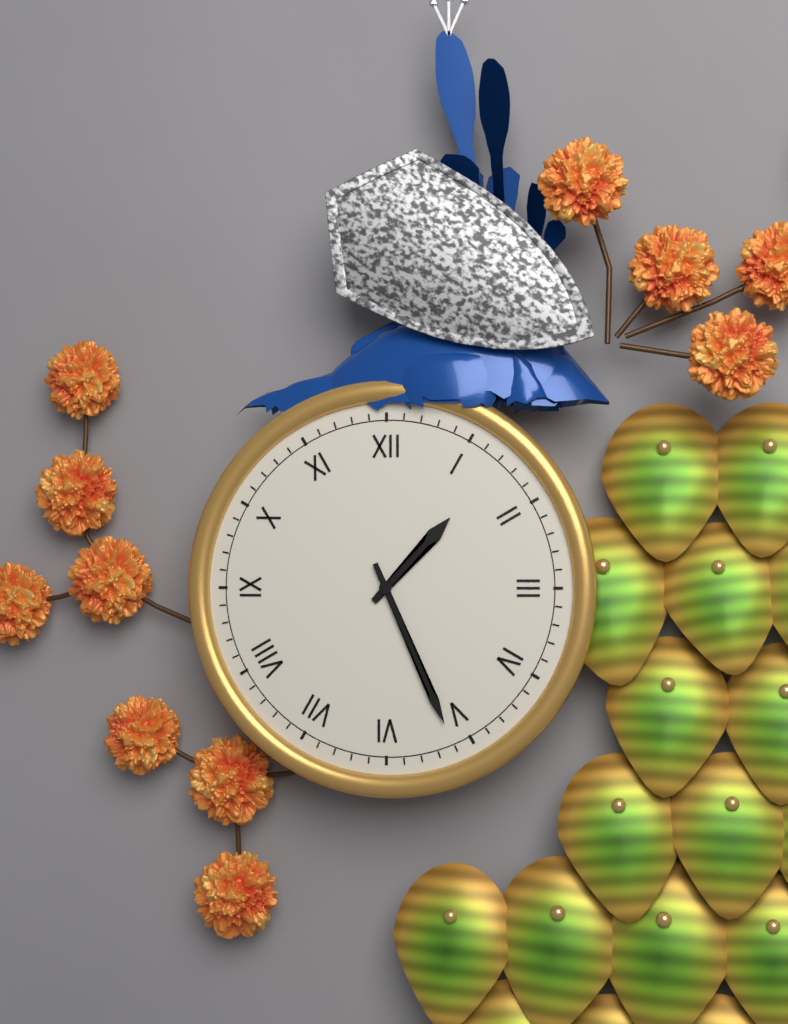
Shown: 1:26
